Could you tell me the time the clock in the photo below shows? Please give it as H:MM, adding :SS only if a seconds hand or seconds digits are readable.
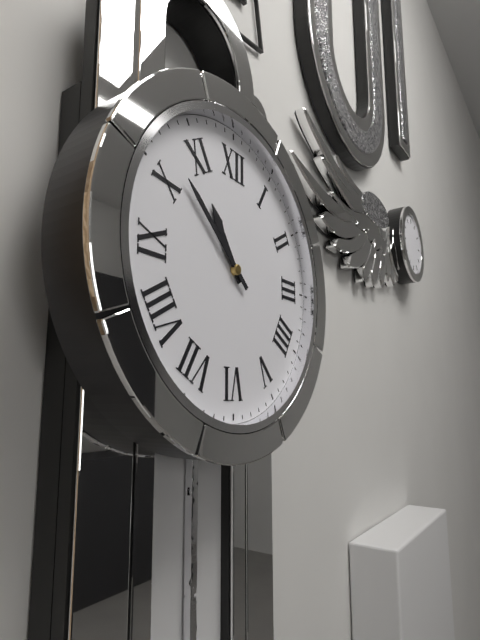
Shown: 10:52
